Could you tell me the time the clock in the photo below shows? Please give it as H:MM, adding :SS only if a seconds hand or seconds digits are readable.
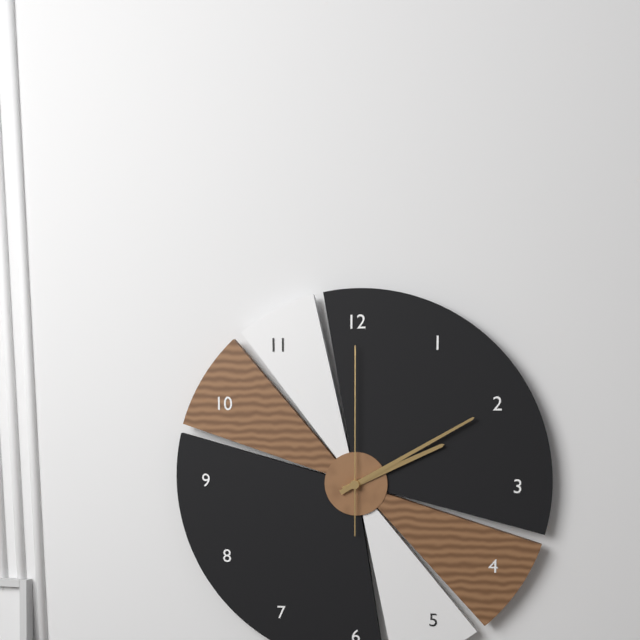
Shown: 2:10:00
